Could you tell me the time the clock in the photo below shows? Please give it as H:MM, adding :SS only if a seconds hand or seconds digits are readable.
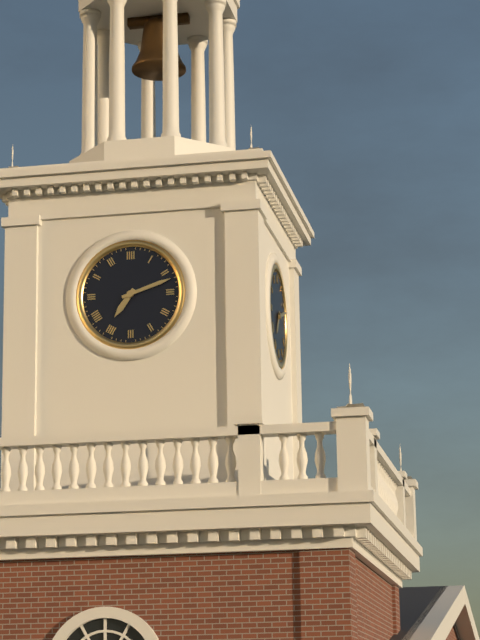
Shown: 7:12
